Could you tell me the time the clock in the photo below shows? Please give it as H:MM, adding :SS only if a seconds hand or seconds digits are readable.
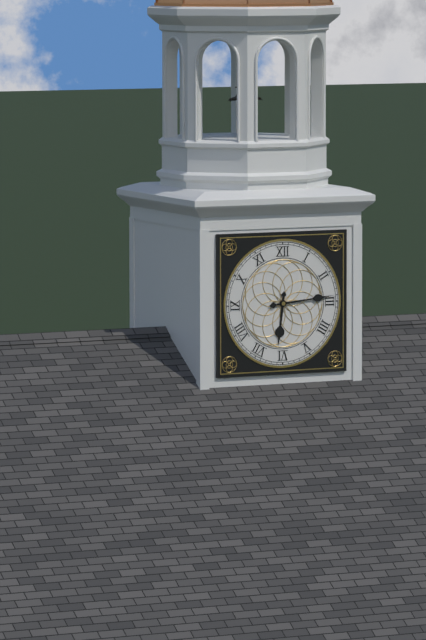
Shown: 6:14
